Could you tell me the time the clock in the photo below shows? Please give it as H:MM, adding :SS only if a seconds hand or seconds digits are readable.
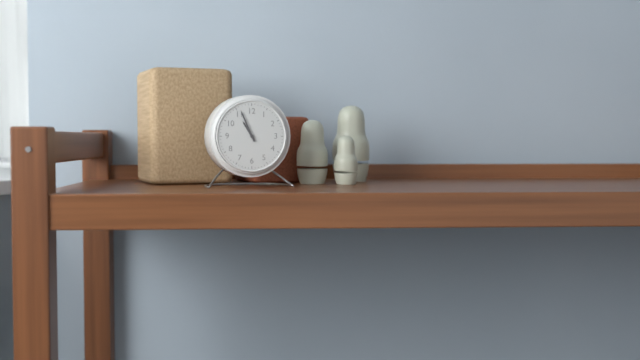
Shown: 10:56
